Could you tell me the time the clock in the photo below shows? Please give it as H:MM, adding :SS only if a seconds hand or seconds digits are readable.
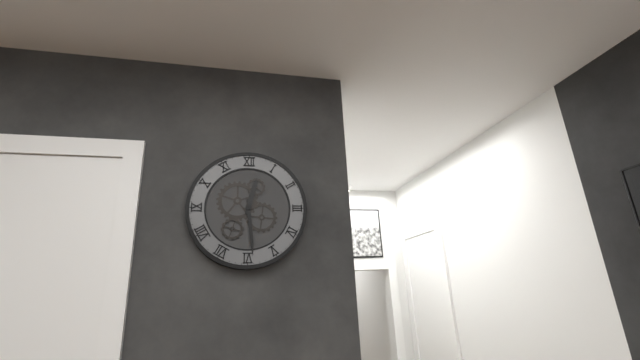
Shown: 12:29
